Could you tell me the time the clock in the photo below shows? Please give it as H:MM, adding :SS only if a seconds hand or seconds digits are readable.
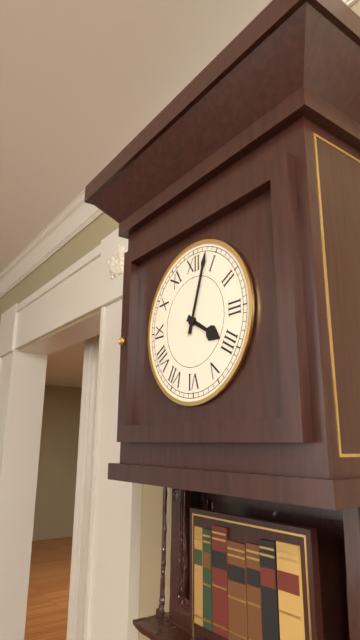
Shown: 4:03
